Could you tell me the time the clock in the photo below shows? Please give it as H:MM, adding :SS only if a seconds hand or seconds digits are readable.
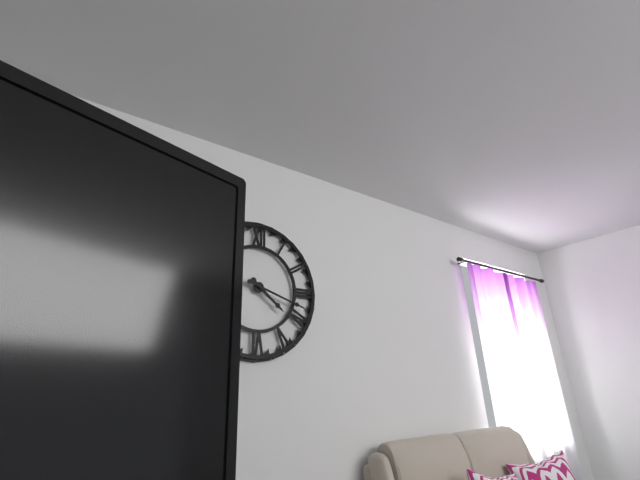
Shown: 4:18
